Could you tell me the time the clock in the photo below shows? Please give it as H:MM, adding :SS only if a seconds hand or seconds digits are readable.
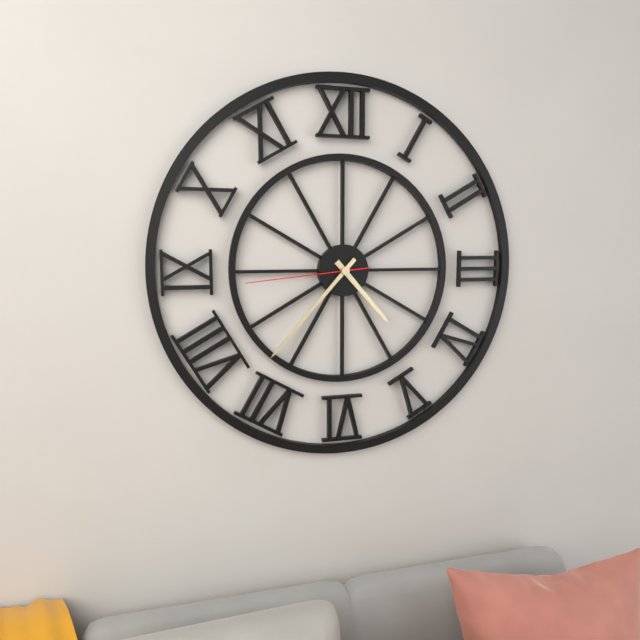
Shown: 4:37:44
